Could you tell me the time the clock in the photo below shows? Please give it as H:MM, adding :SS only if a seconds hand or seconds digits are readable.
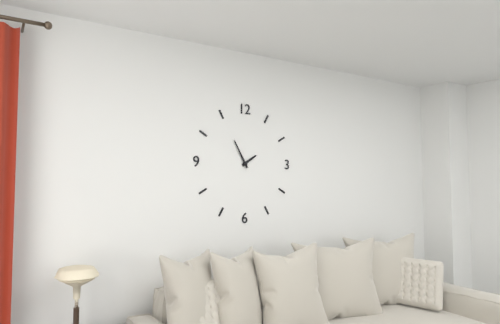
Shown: 1:55
